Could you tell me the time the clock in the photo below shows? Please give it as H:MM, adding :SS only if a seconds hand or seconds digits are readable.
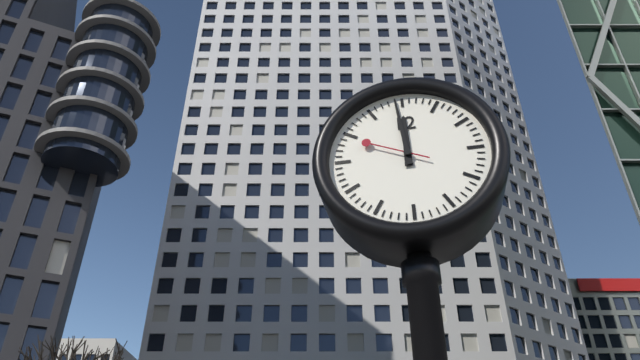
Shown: 11:59:49
